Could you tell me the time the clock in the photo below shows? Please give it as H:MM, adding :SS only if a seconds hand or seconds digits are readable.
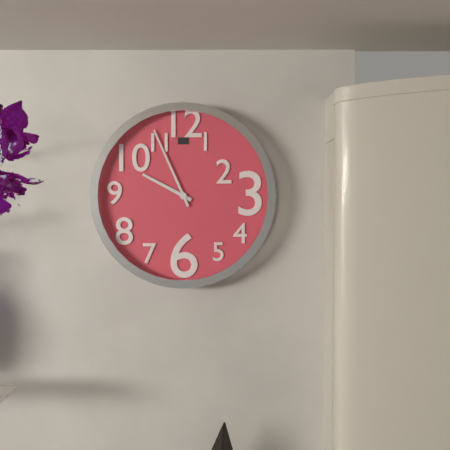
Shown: 9:56
